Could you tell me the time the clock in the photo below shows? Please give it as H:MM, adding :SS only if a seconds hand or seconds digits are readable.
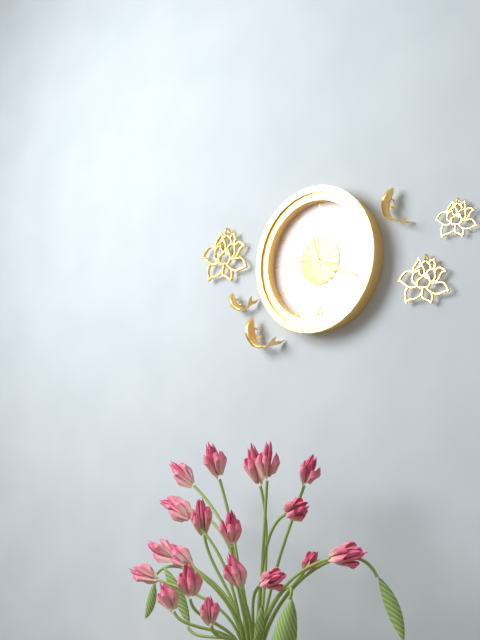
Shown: 11:19
